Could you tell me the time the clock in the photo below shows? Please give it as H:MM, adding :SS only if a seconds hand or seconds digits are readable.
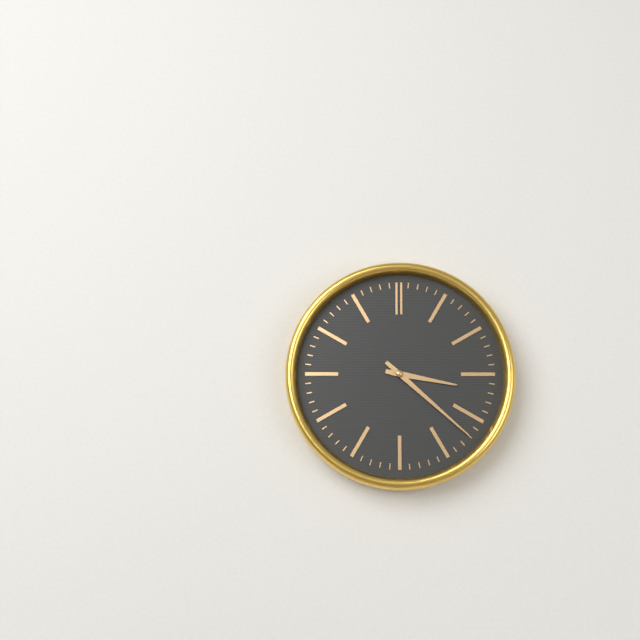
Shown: 3:22
